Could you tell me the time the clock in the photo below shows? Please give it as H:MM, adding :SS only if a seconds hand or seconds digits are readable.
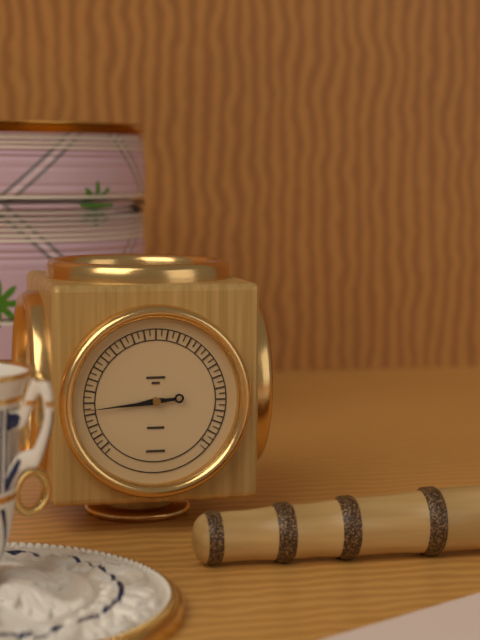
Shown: 8:44
